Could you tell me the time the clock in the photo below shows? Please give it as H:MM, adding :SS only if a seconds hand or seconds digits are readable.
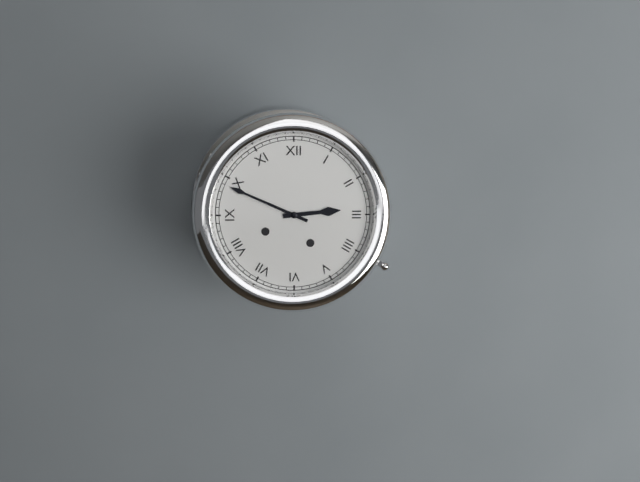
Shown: 2:49
